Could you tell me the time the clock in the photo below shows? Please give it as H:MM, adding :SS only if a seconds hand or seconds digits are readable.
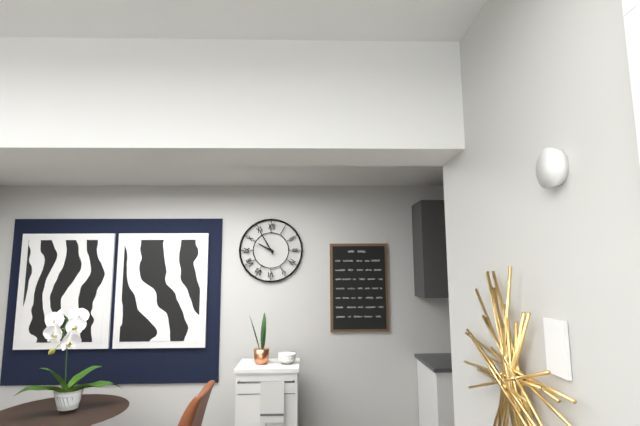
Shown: 9:55
